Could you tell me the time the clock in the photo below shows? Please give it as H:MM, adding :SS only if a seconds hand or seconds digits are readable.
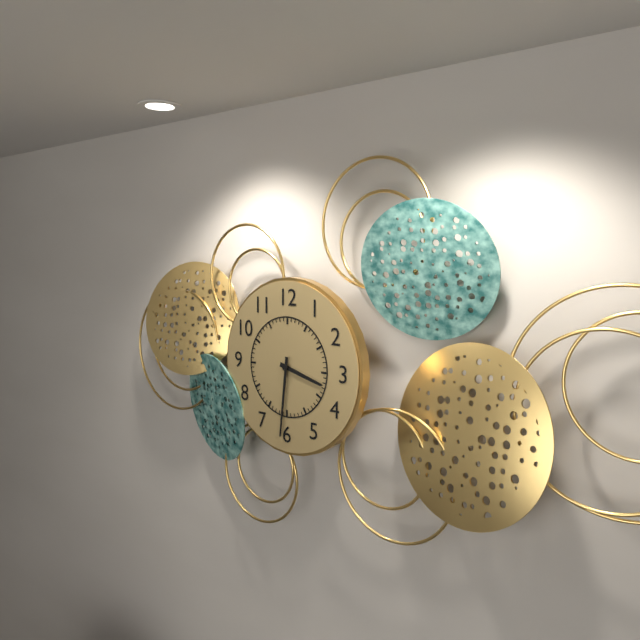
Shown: 3:31
